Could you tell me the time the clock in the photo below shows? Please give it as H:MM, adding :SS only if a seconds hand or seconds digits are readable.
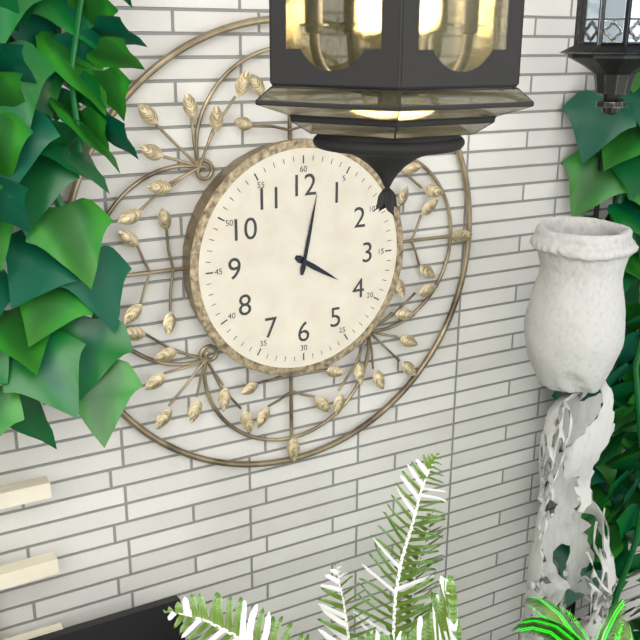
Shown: 4:02
